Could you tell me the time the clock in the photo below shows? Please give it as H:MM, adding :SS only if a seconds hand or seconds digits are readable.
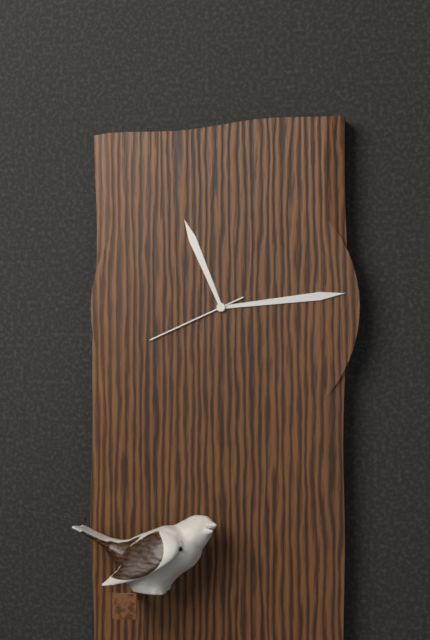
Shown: 11:14:41
